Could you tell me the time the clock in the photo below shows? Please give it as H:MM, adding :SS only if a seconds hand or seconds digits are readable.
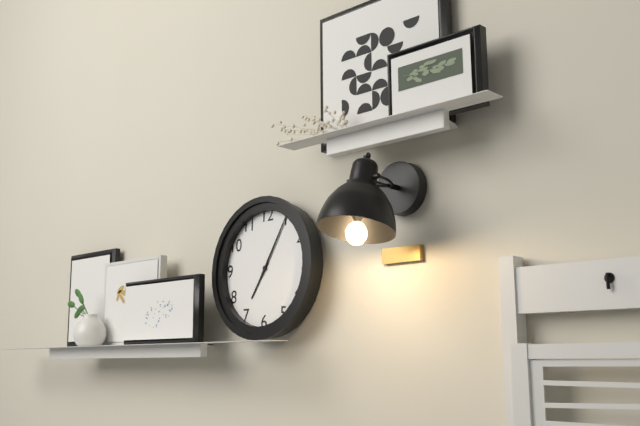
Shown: 7:05
